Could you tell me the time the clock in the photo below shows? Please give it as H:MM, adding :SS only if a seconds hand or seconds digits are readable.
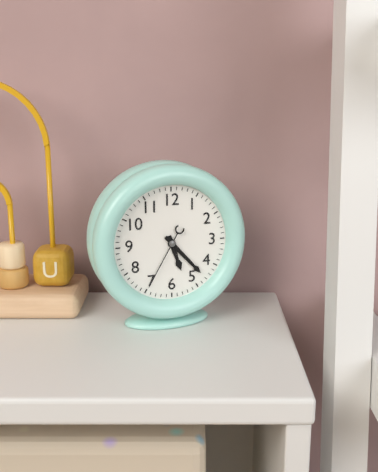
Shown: 5:23:35
